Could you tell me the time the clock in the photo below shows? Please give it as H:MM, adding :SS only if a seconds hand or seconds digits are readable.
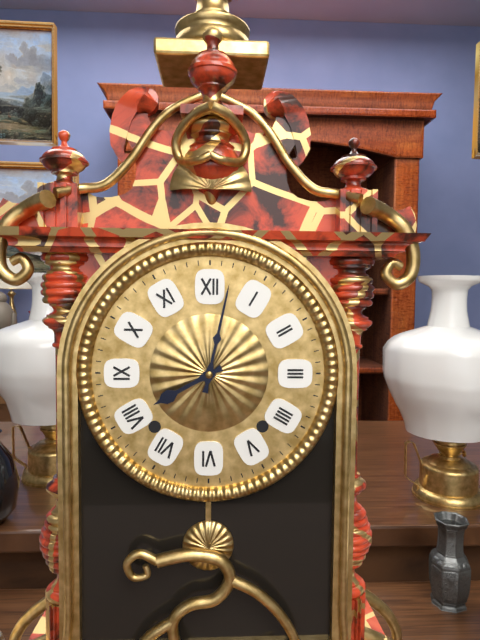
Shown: 8:02
